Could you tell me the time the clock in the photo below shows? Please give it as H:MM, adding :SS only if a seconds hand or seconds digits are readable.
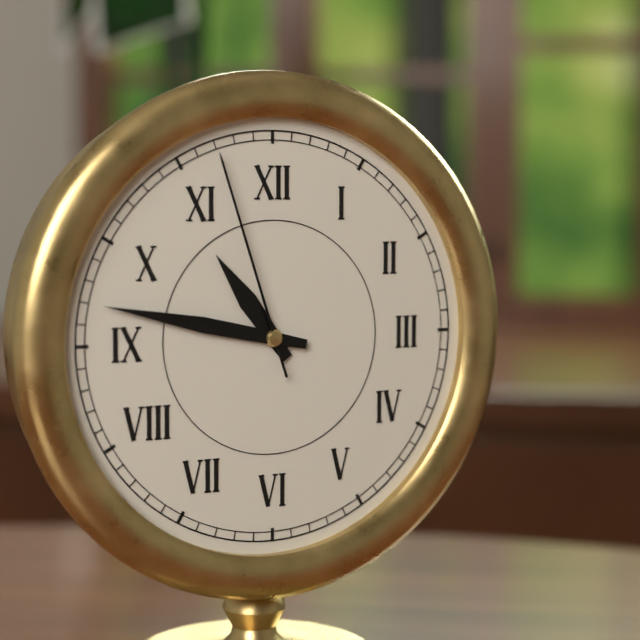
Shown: 10:47:57
